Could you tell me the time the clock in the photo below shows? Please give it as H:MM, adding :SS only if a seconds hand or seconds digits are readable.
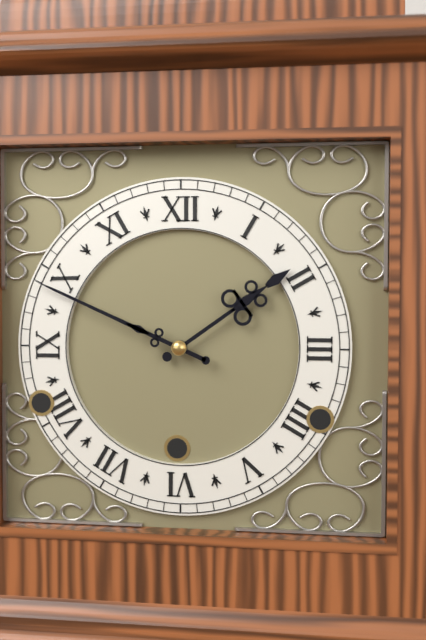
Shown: 1:49
